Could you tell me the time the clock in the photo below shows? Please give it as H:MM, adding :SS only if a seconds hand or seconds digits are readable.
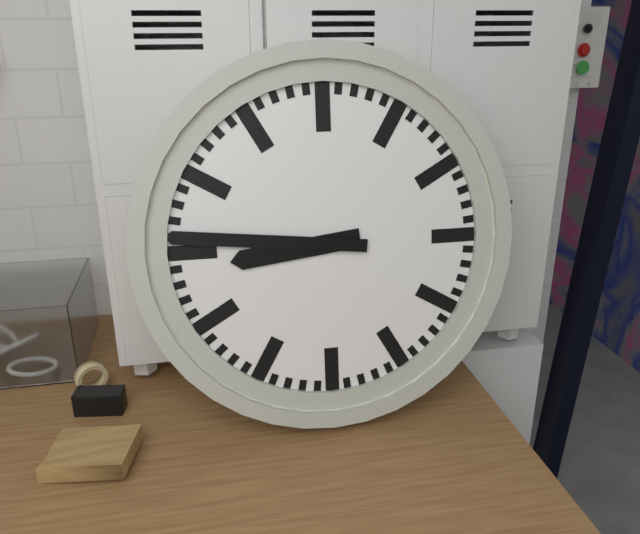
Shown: 8:46
